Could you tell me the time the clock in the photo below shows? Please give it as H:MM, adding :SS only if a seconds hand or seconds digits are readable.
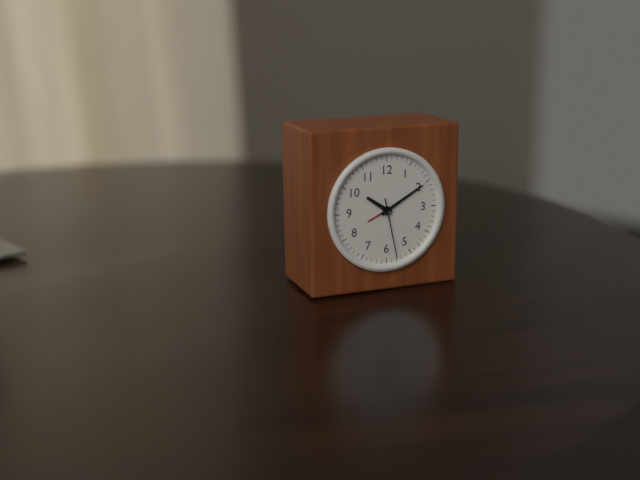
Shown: 10:10:28
